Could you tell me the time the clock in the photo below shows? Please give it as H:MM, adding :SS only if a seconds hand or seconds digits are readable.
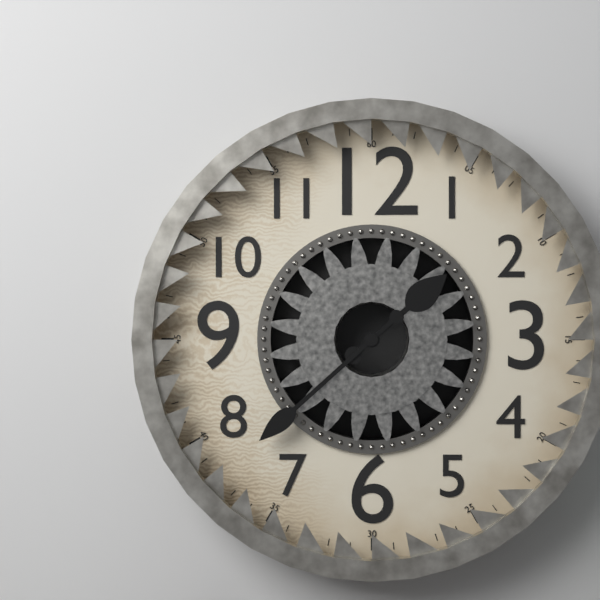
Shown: 1:38
